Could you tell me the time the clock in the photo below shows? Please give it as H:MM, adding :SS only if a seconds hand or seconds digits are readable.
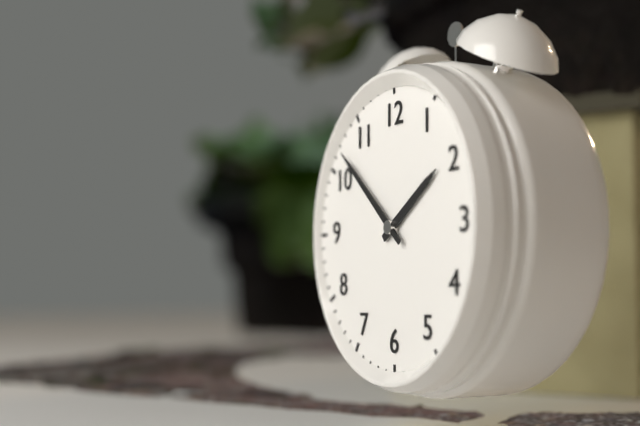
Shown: 1:52
